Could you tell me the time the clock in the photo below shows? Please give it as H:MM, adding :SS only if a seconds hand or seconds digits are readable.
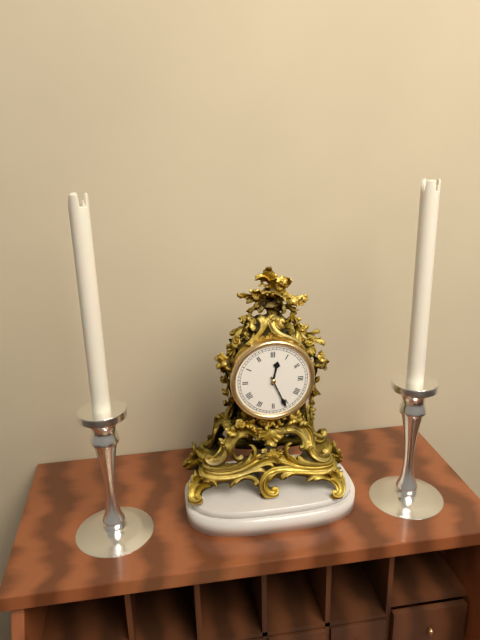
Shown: 12:26
